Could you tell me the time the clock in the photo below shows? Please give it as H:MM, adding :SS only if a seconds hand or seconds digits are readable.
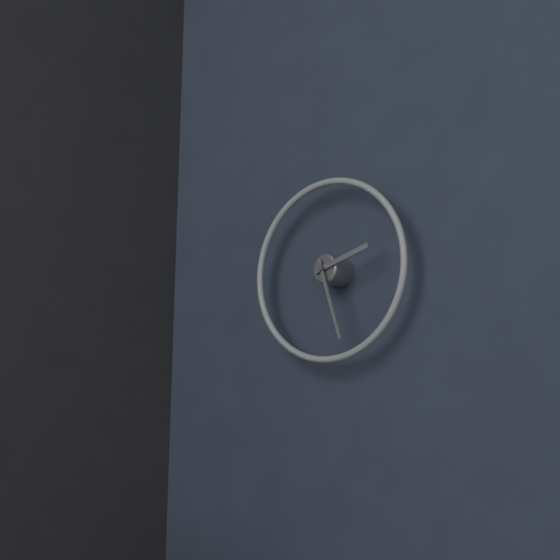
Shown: 2:27
